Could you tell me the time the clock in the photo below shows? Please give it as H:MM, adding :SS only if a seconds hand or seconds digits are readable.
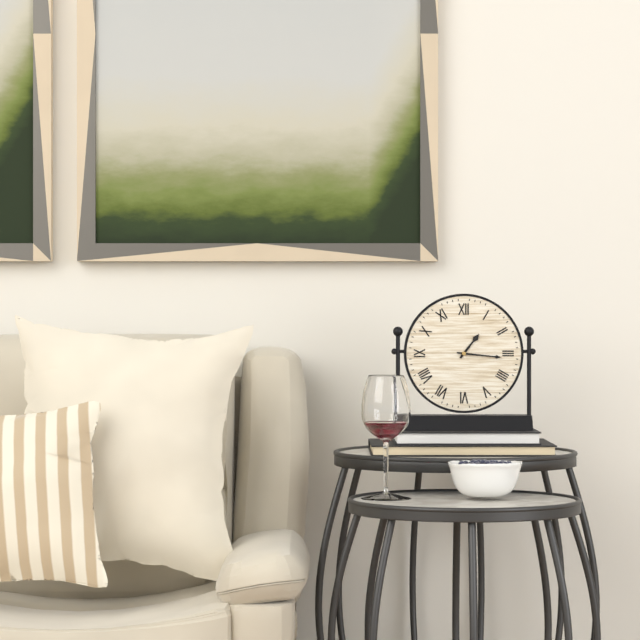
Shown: 1:16
